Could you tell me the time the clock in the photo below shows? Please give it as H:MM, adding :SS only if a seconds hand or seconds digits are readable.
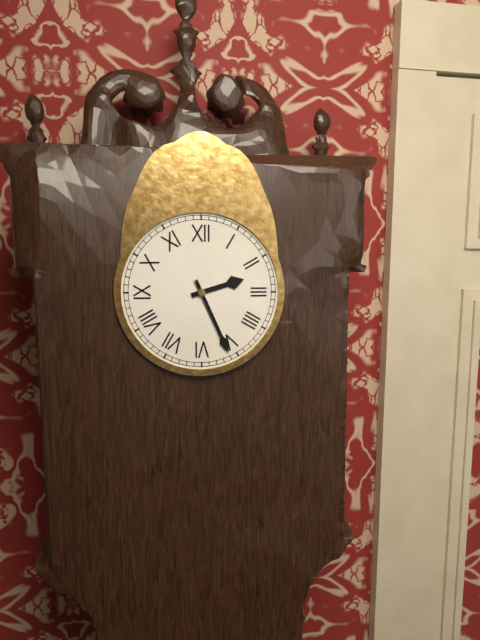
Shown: 2:26
